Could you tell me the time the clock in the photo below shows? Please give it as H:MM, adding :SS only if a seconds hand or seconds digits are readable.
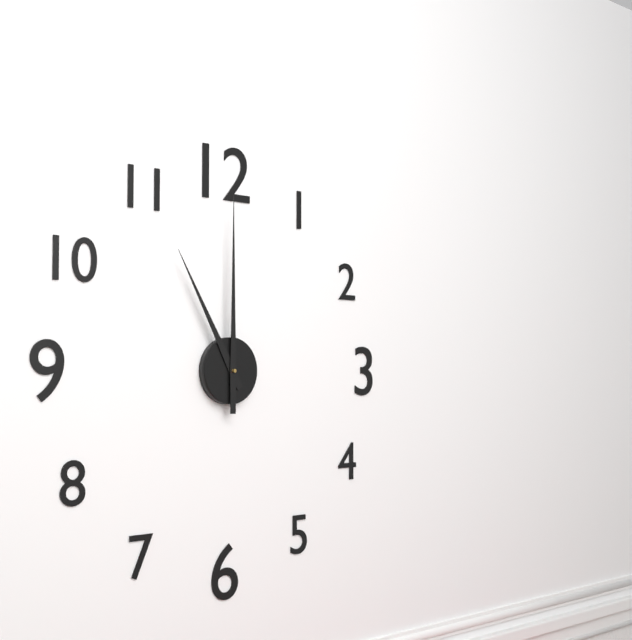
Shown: 11:00
